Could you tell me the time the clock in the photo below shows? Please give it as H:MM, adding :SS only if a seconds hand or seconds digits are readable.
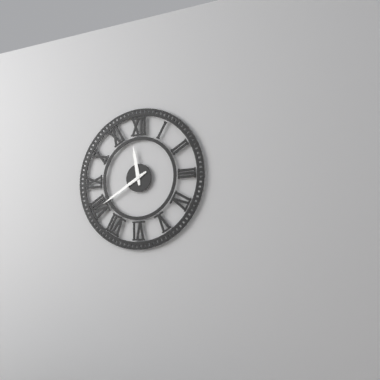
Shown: 11:40
